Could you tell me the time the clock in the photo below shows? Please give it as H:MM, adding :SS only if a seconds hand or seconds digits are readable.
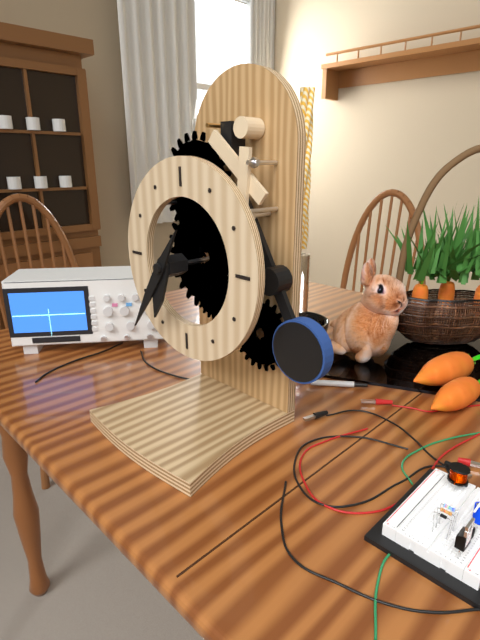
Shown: 6:36
